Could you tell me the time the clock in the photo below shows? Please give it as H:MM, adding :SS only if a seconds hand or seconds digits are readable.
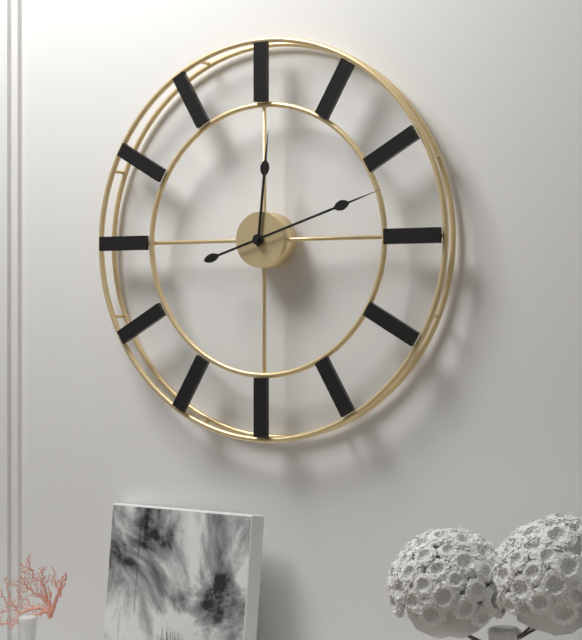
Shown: 12:12
